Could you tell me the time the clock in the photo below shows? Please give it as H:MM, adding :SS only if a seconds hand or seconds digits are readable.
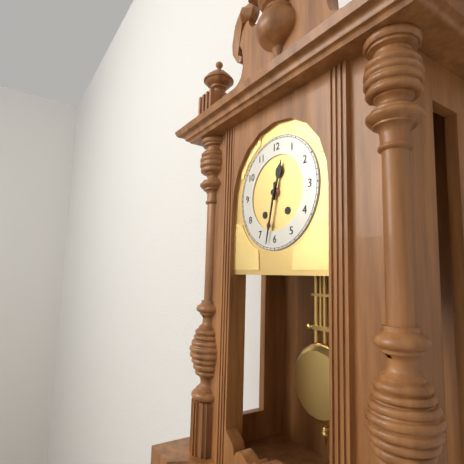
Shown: 12:32
